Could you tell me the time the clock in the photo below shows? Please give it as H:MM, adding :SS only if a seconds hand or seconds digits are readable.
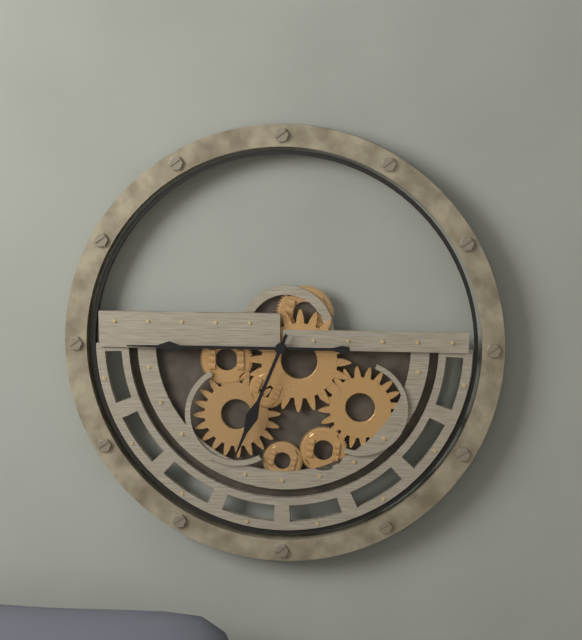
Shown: 6:45
